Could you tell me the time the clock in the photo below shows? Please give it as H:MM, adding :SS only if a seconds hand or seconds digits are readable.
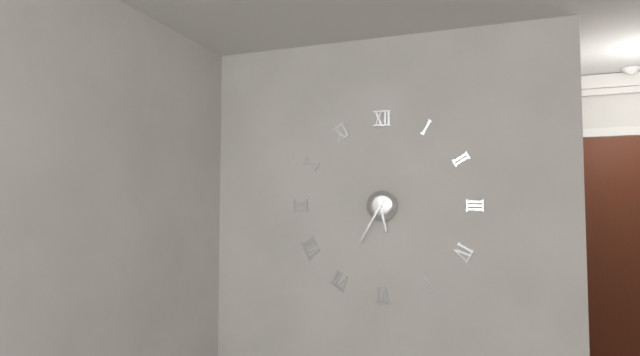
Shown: 5:35
